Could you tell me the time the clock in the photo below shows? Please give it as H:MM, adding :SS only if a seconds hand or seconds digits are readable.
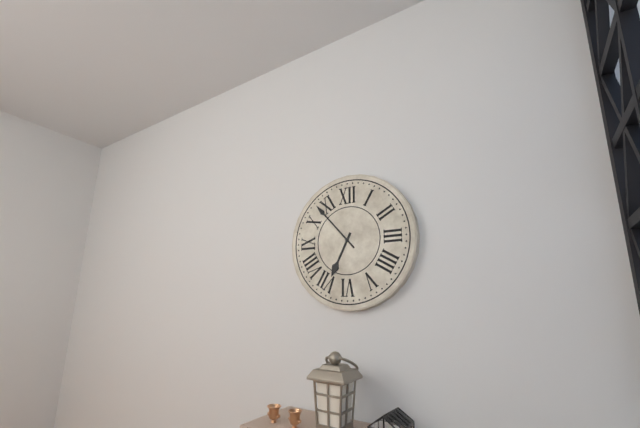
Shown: 6:53
